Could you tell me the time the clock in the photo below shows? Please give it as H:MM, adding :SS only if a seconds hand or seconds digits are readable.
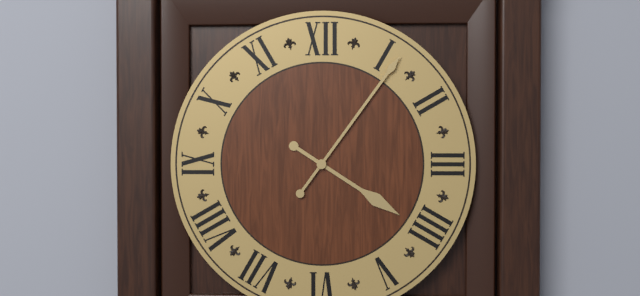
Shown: 4:06
